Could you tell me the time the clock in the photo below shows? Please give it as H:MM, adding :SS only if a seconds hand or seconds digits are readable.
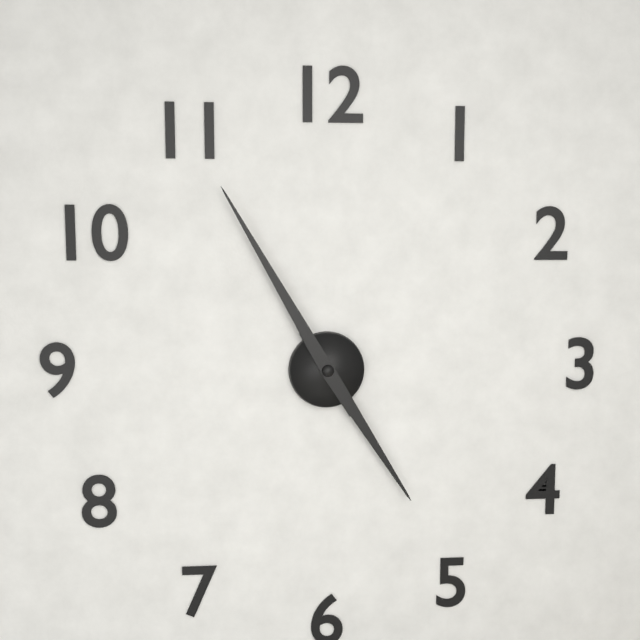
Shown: 4:55
